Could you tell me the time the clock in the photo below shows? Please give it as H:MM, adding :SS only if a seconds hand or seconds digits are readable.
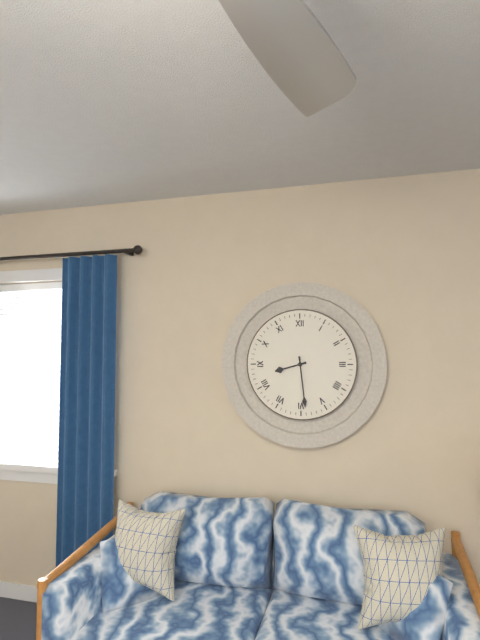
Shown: 8:29
